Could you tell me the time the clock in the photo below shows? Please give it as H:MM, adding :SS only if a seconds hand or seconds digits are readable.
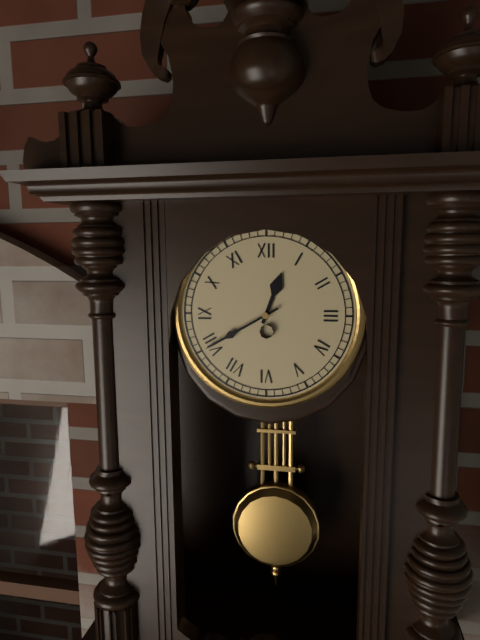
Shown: 12:40
